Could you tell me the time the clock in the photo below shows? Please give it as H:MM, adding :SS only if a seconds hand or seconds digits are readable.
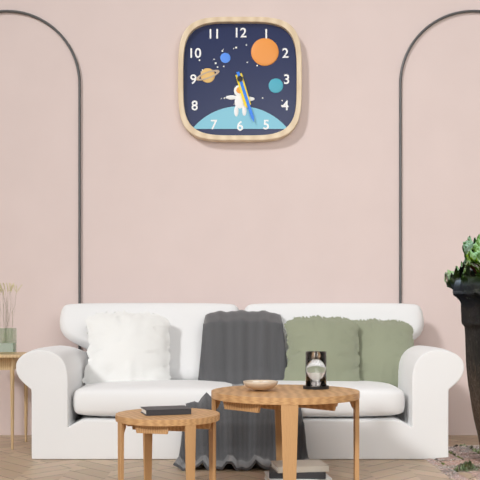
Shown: 5:27
